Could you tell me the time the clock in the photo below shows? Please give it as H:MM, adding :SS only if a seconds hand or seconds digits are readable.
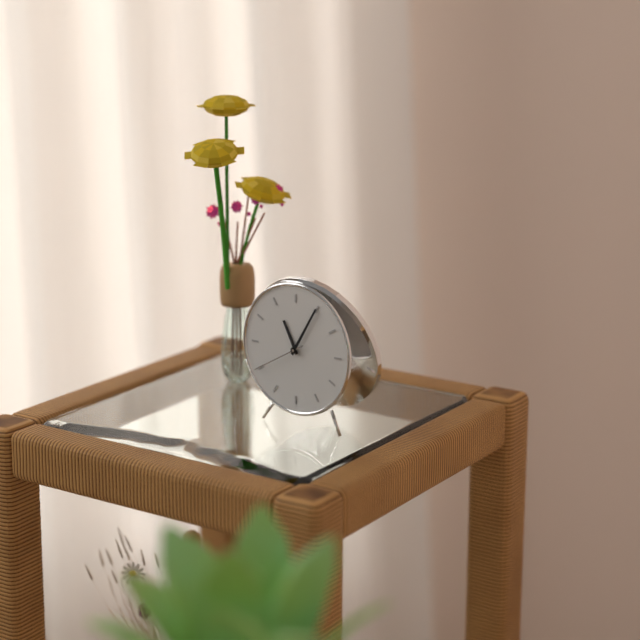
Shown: 11:05:40
